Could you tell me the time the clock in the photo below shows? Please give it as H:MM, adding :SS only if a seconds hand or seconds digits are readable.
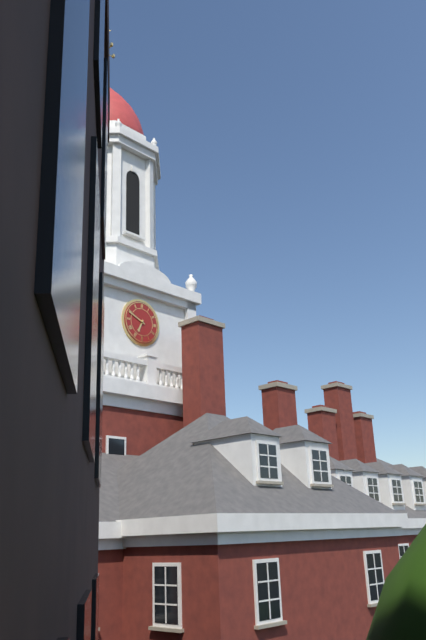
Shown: 6:49
